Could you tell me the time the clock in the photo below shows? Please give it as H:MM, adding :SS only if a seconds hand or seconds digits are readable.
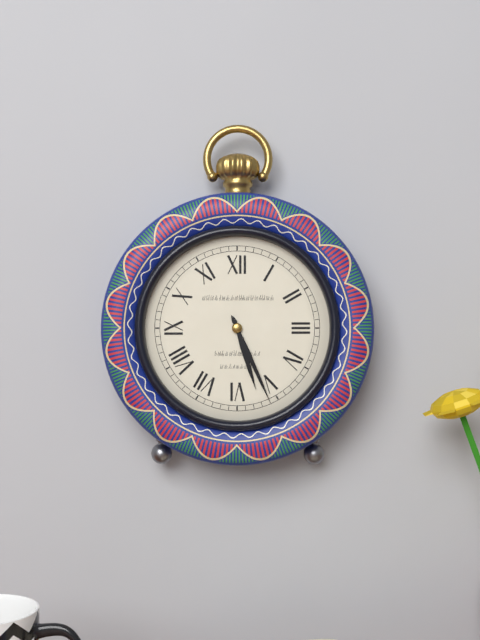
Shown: 5:26
